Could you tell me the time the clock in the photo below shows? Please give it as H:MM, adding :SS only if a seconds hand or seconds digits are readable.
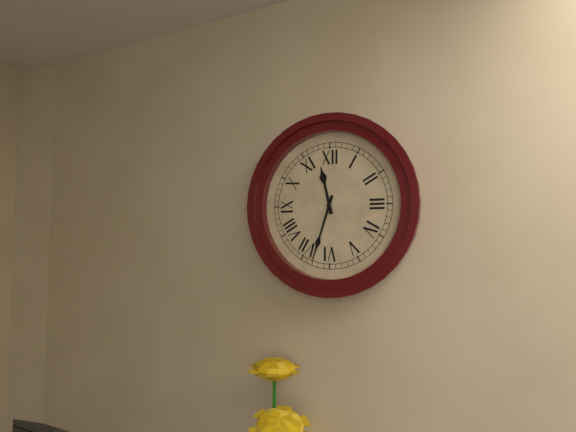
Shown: 11:33
